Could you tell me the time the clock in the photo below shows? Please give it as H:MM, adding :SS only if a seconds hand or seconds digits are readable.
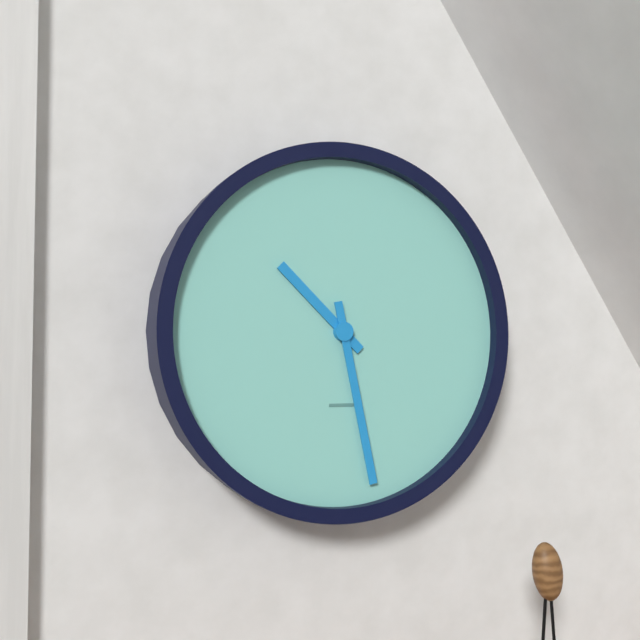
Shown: 10:28
